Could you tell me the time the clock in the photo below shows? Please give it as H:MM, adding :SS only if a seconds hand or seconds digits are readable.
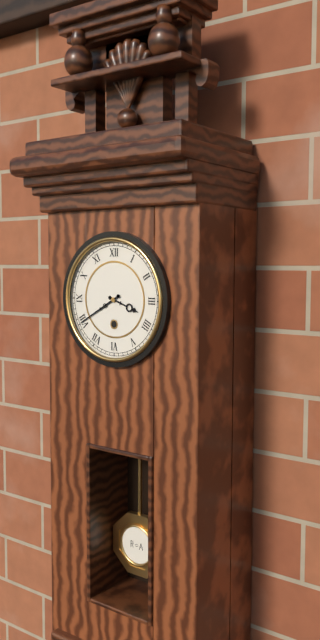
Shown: 3:40
